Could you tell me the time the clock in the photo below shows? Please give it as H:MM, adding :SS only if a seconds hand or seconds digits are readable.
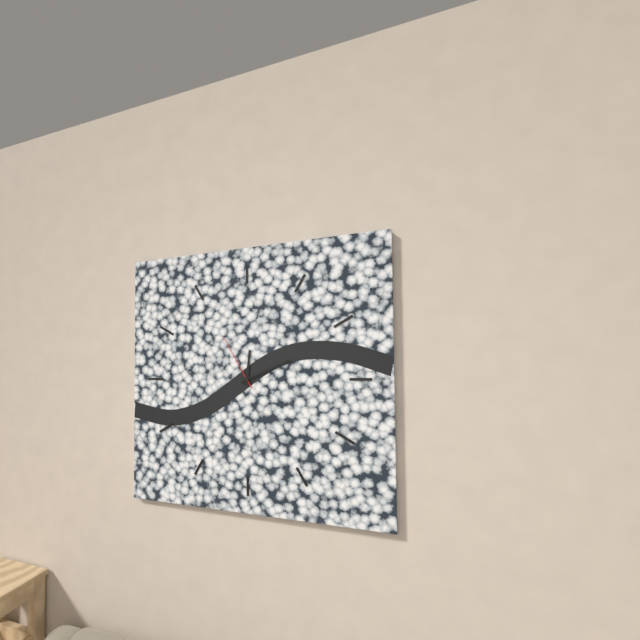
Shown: 12:11:55
